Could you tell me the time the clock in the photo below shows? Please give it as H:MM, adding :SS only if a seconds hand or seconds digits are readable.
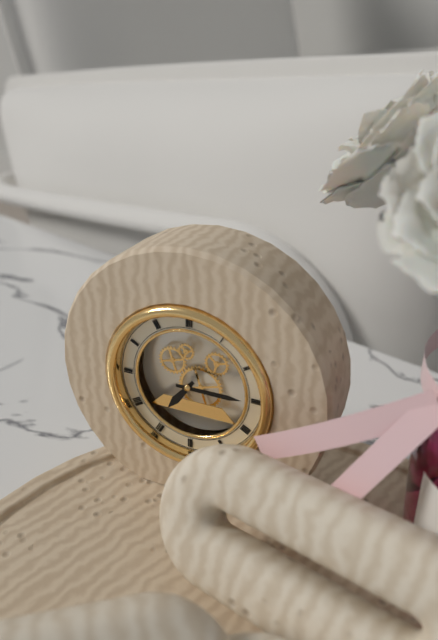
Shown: 7:15
